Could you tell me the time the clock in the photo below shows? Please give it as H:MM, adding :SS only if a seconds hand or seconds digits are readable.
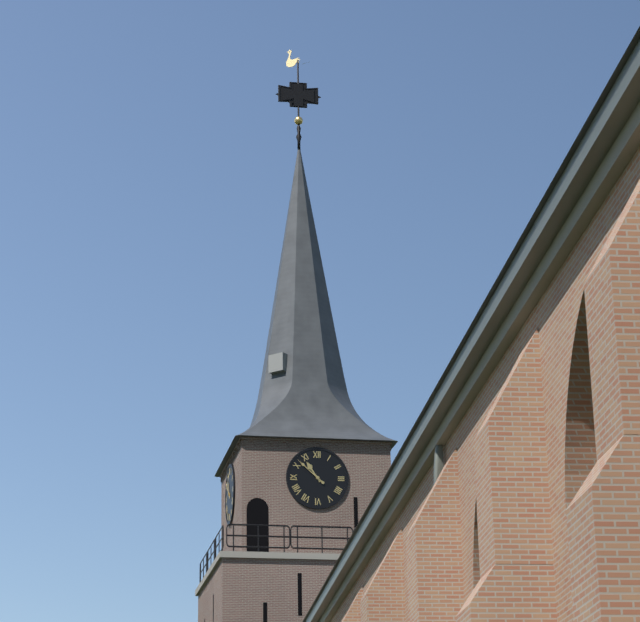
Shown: 10:52
